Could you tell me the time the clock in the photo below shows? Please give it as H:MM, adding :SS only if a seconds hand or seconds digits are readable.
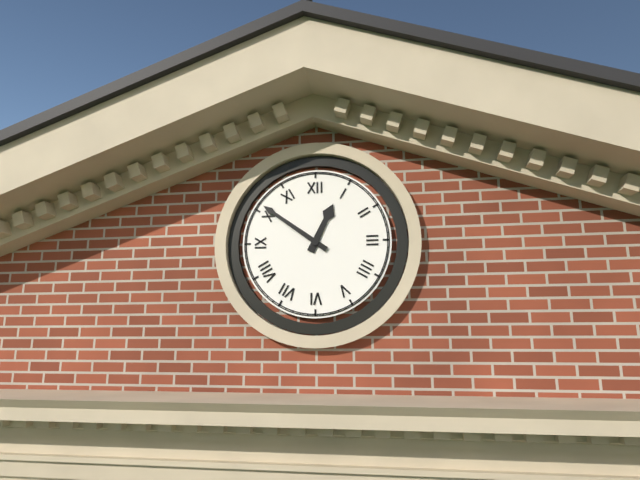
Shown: 12:51
